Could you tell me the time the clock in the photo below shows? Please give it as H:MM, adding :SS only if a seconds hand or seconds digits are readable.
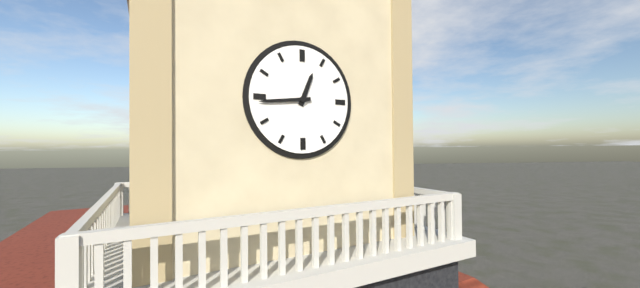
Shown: 12:44
